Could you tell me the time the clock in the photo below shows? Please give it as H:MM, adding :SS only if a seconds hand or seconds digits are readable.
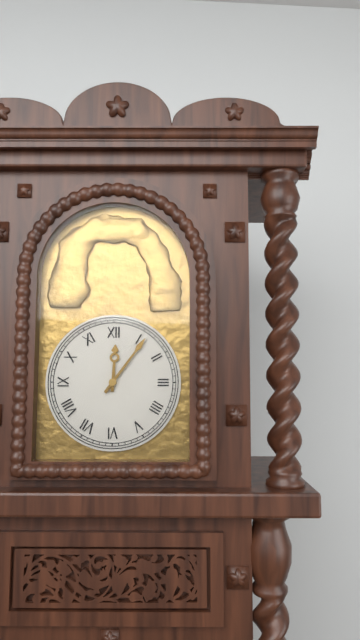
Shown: 12:06
